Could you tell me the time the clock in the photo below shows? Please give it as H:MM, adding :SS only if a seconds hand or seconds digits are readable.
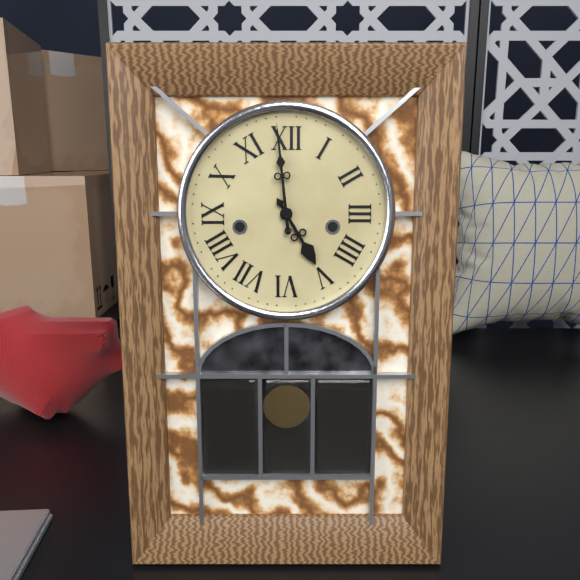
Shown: 4:59
